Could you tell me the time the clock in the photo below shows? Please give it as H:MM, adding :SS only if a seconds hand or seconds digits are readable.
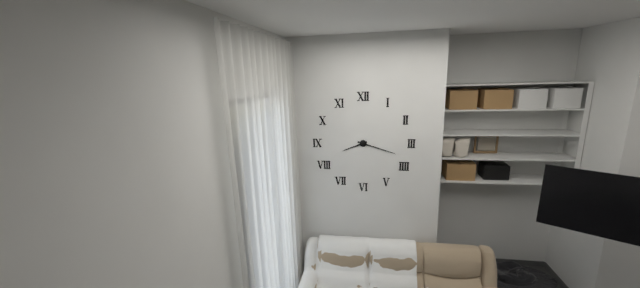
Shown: 8:18
